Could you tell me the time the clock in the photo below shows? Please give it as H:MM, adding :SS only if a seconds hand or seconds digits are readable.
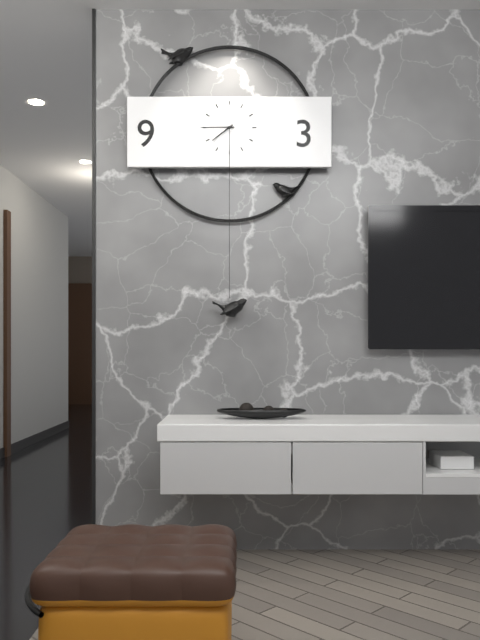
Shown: 7:45
